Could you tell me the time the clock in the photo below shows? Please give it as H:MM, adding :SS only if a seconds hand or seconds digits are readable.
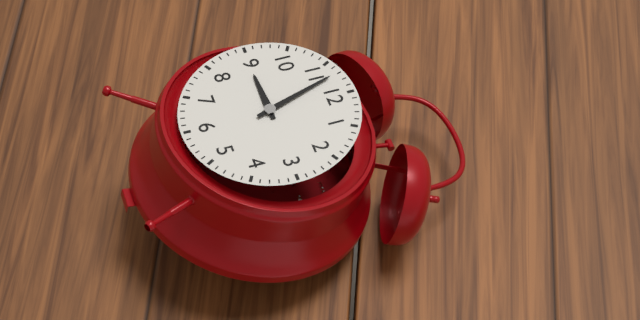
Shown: 8:57
